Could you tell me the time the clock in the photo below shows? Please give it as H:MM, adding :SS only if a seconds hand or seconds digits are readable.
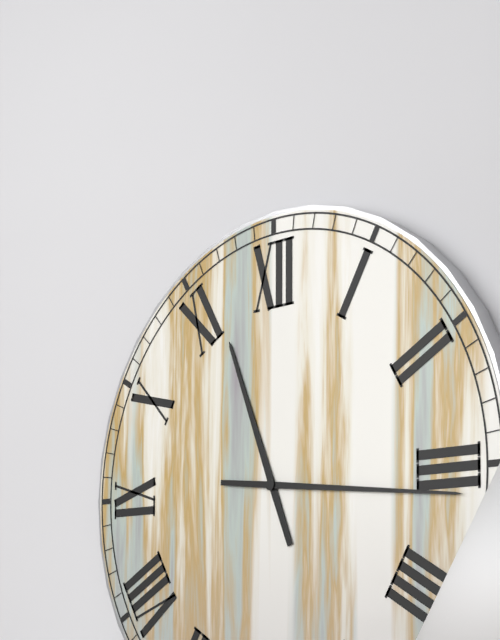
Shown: 11:16
